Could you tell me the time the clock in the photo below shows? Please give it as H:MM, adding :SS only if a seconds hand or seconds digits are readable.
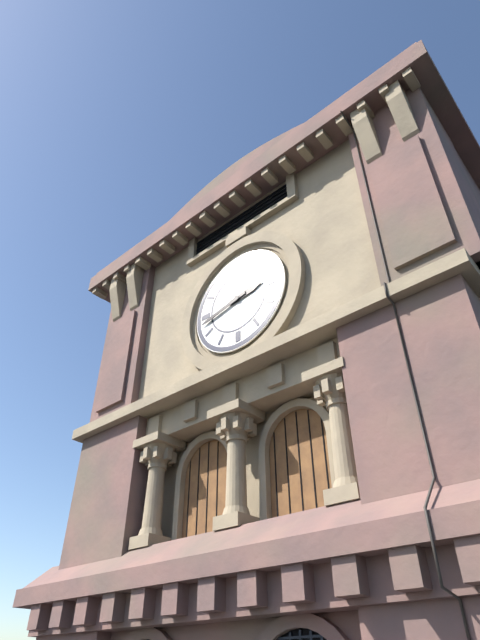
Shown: 2:43
